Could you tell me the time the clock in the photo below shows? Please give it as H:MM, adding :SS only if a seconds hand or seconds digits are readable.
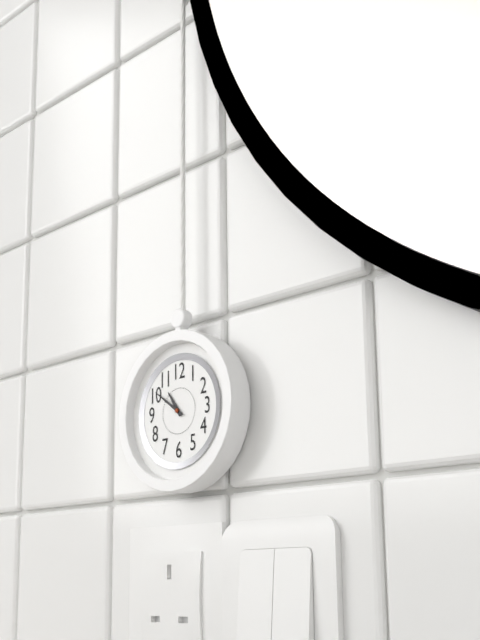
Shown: 10:51
